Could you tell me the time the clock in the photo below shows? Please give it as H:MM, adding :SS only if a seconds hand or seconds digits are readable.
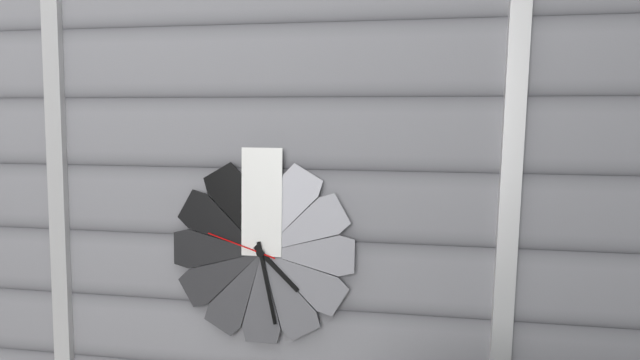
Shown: 4:28:48
